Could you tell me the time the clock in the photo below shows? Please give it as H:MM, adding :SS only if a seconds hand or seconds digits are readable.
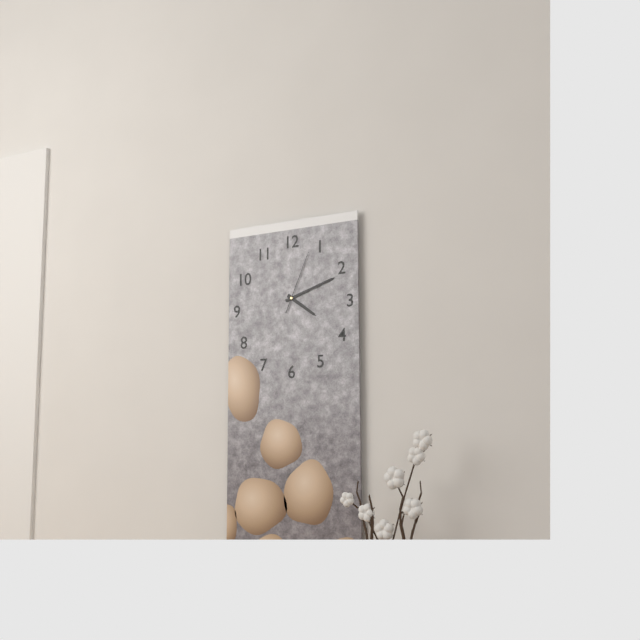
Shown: 4:12:04
